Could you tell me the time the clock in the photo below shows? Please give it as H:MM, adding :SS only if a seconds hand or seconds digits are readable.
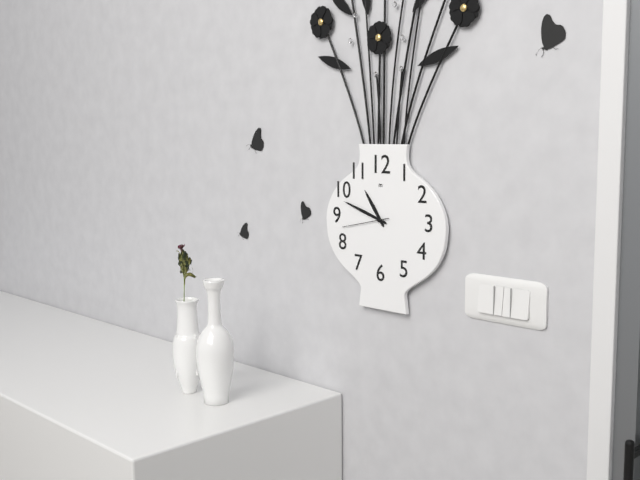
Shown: 10:48
